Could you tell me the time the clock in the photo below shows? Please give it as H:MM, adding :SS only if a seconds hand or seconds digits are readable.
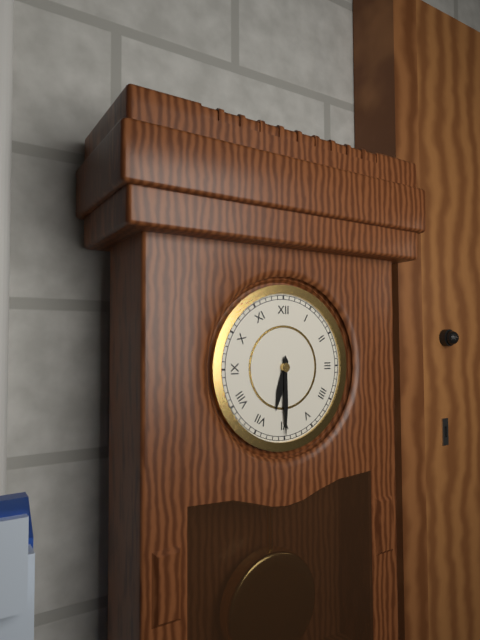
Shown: 6:30
